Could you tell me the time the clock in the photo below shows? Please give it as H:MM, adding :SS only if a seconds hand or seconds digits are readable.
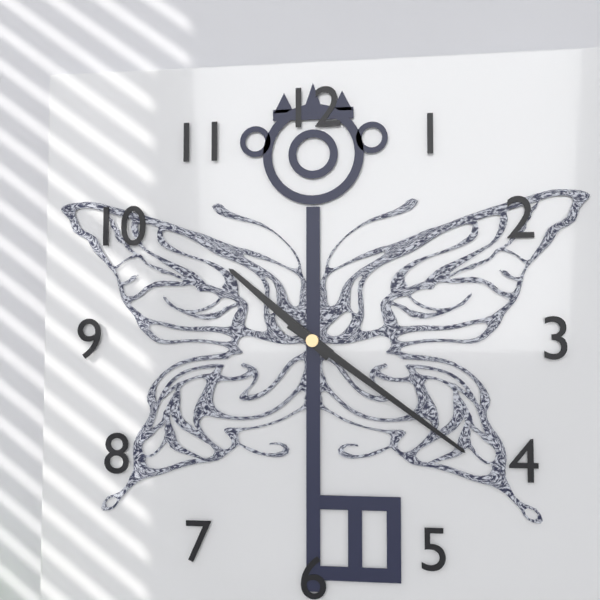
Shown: 10:21
